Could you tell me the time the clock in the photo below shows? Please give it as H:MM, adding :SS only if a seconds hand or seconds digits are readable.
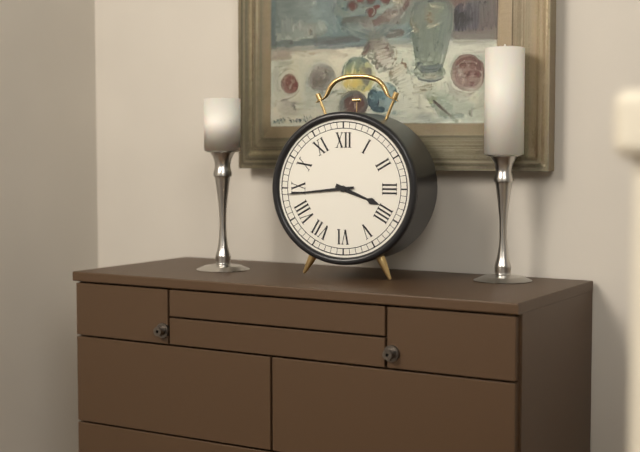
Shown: 3:44
